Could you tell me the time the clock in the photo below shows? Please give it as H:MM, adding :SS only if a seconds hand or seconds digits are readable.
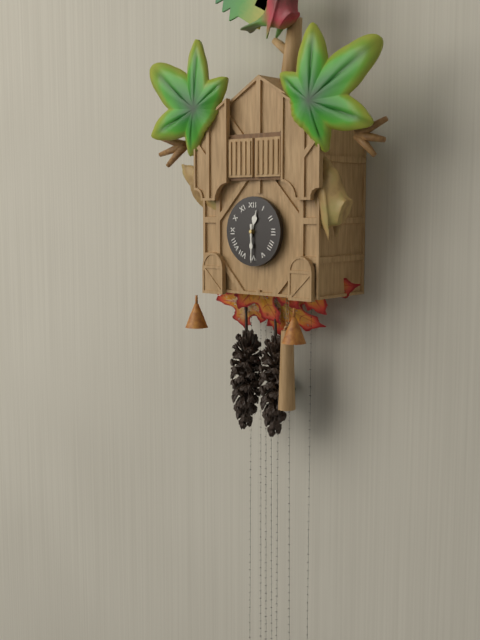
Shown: 12:30
